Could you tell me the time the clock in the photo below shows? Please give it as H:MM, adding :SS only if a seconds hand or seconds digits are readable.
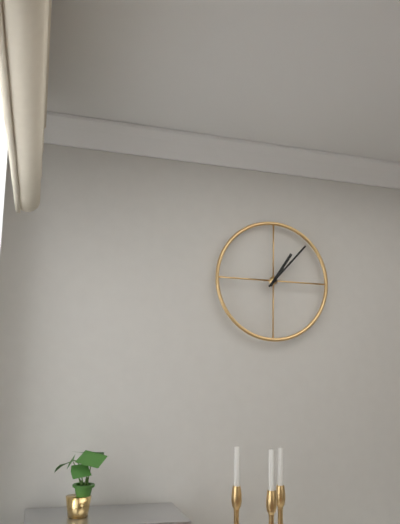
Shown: 1:07
